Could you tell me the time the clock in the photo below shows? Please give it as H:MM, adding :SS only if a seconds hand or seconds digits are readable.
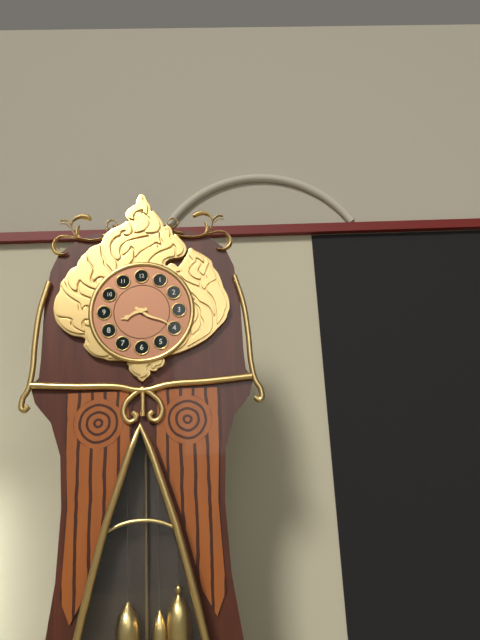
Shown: 8:20
